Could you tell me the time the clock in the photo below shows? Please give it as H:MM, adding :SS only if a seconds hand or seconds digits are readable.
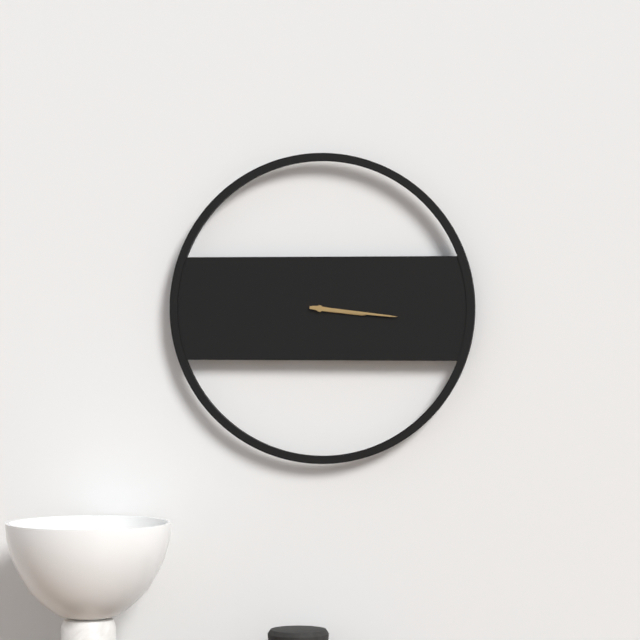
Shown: 3:16
